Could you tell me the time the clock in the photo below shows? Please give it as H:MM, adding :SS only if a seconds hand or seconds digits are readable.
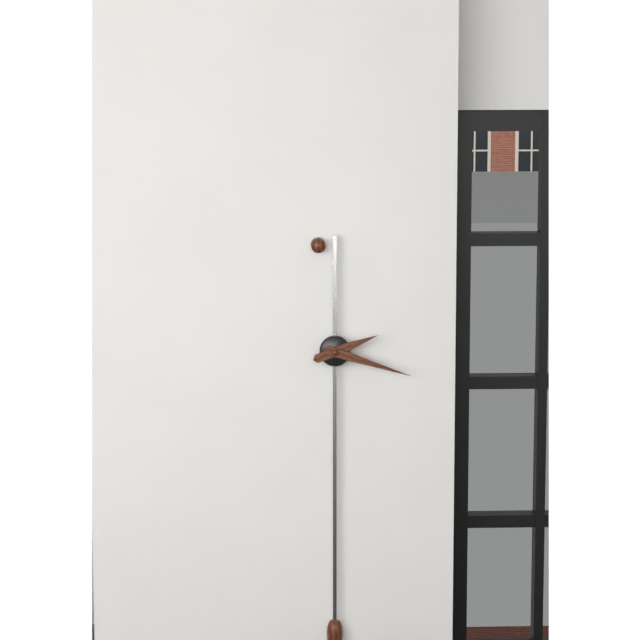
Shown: 2:18
